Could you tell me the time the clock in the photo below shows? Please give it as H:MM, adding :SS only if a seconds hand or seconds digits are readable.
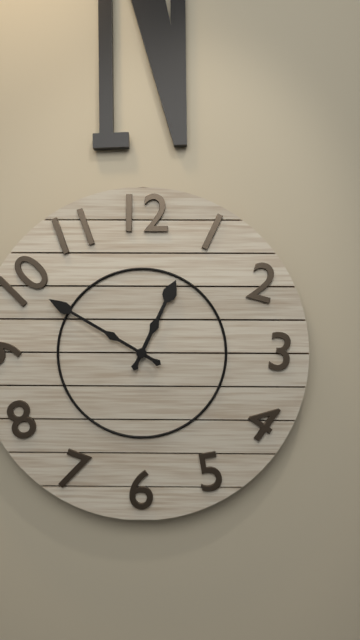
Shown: 12:50
